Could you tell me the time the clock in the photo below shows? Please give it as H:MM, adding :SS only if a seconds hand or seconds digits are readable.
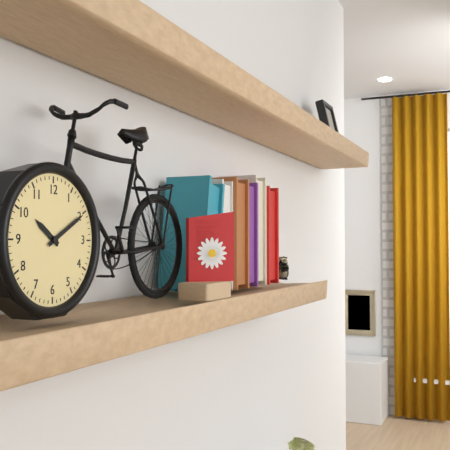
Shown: 10:10
